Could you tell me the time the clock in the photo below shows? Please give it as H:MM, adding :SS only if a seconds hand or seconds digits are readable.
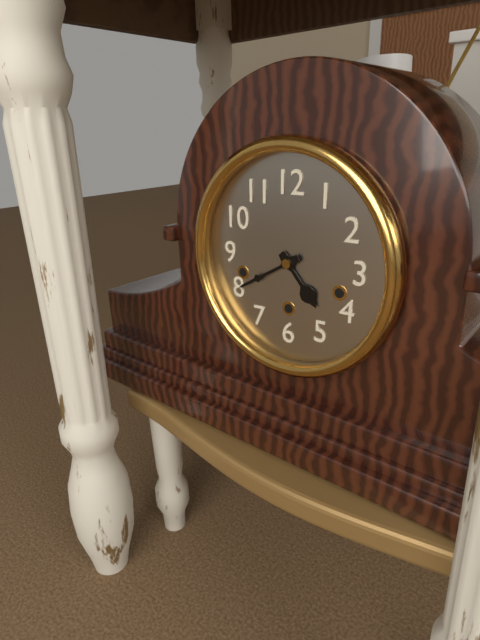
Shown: 4:40
